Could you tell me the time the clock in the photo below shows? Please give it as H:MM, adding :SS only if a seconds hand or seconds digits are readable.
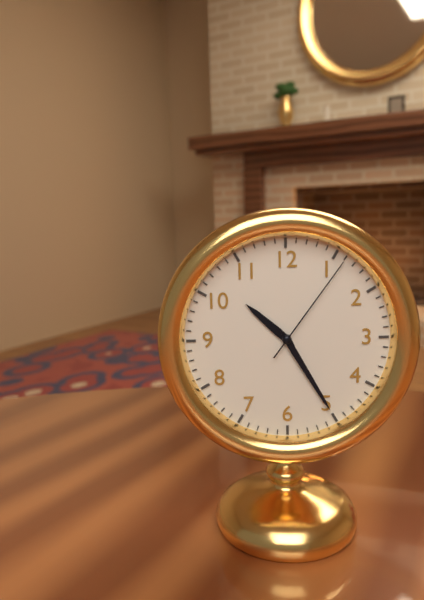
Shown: 10:25:06
